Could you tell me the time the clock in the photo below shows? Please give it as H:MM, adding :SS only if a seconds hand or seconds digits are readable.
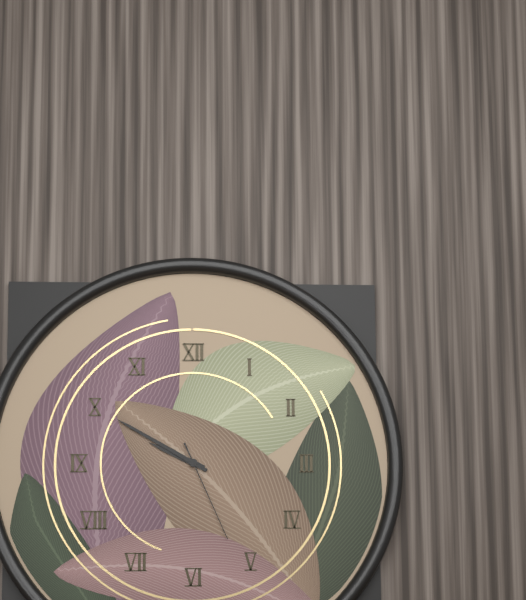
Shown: 9:50:26
